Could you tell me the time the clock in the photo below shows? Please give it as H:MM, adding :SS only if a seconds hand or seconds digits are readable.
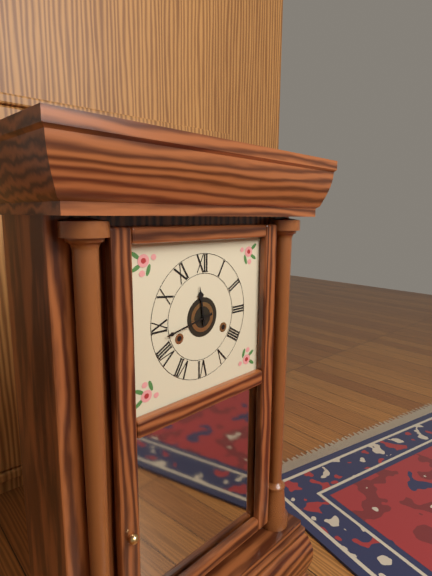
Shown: 11:43
